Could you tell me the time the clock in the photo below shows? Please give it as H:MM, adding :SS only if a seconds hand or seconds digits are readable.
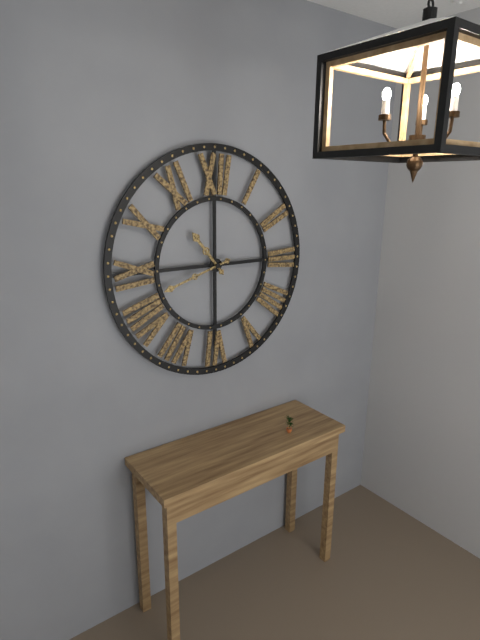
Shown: 10:42
